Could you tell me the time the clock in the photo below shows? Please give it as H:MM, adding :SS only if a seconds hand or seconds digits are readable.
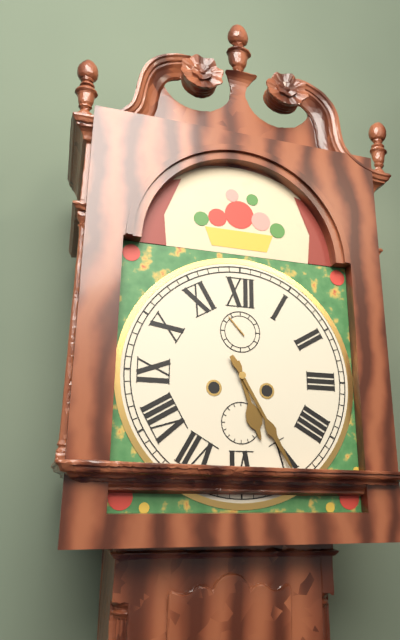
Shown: 5:25
